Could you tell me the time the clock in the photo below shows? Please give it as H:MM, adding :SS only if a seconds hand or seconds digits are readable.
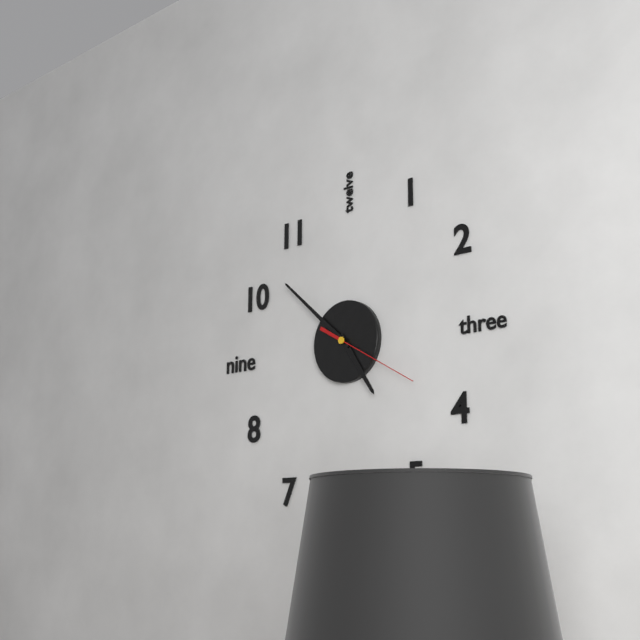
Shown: 4:52:20
